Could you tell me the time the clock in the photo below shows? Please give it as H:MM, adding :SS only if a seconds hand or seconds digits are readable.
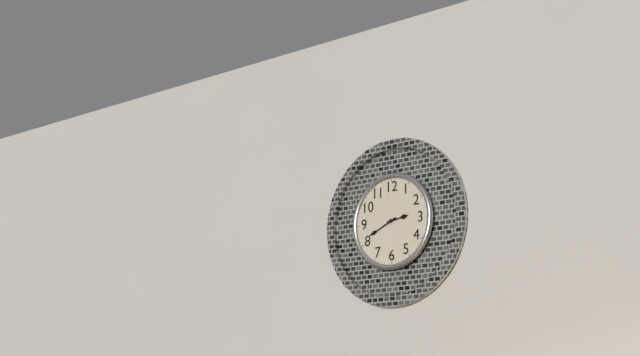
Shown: 2:41
